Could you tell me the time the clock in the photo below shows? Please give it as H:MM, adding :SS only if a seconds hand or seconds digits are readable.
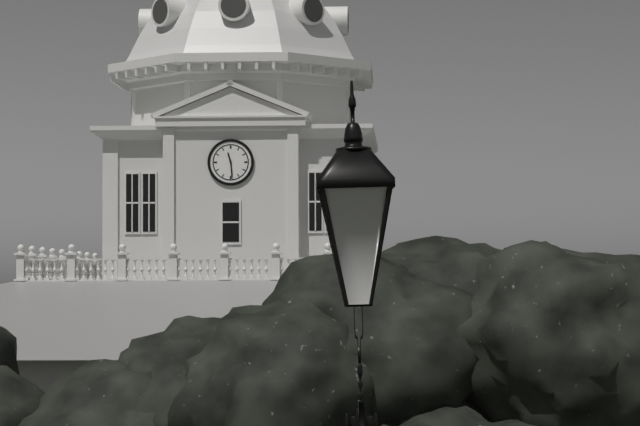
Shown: 11:29
